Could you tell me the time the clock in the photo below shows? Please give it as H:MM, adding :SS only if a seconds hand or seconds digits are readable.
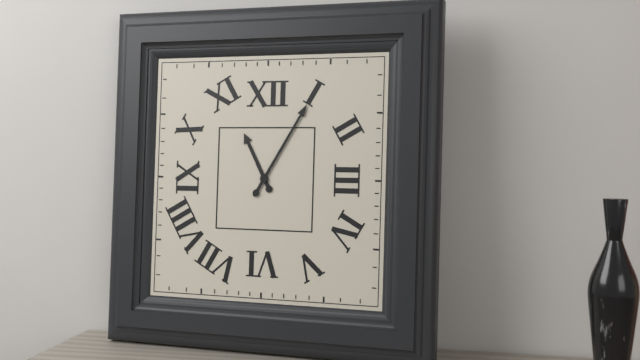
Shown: 11:05
